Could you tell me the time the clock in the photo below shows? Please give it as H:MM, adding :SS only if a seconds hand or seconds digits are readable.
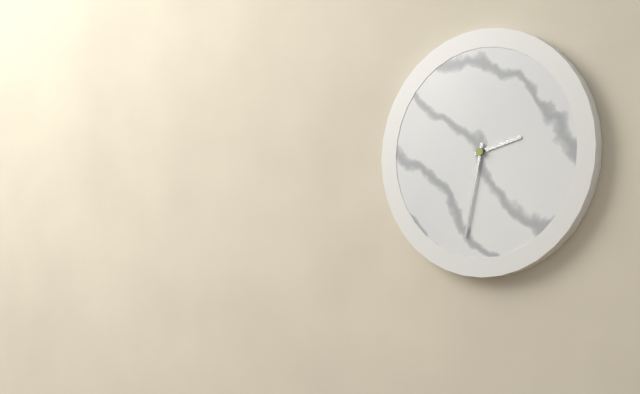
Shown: 2:32
